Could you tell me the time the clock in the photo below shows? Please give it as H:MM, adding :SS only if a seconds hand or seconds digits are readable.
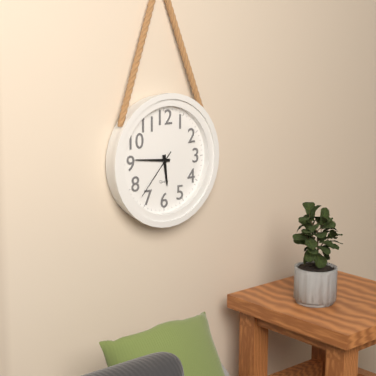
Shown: 5:46:37
